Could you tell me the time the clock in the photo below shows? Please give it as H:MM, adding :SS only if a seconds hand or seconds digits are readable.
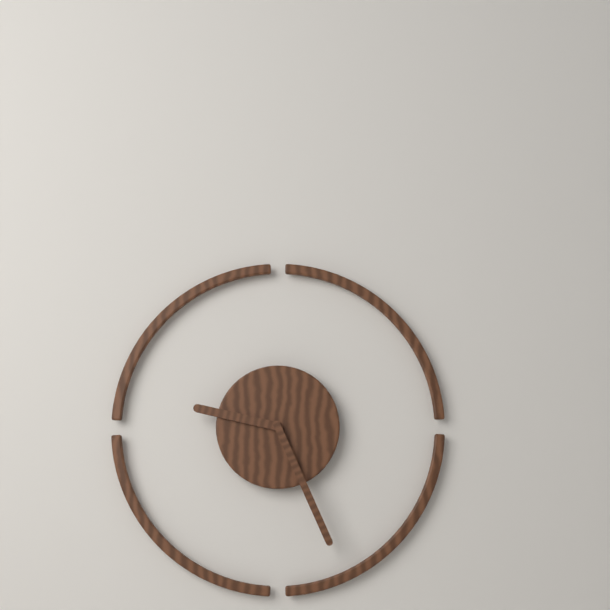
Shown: 9:26
